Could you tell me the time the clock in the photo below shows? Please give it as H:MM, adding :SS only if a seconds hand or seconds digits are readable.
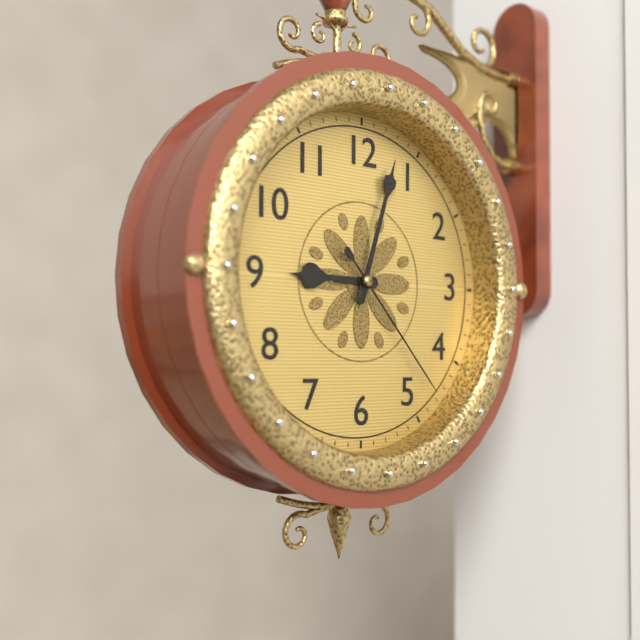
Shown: 9:03:23
